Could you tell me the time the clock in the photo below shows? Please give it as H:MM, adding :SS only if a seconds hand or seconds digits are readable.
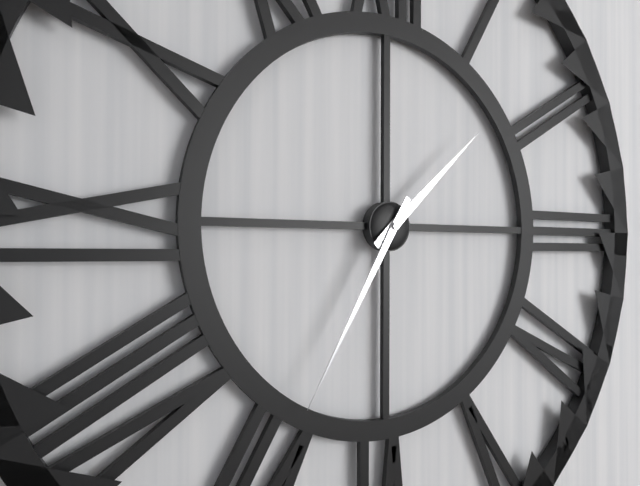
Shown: 1:35
